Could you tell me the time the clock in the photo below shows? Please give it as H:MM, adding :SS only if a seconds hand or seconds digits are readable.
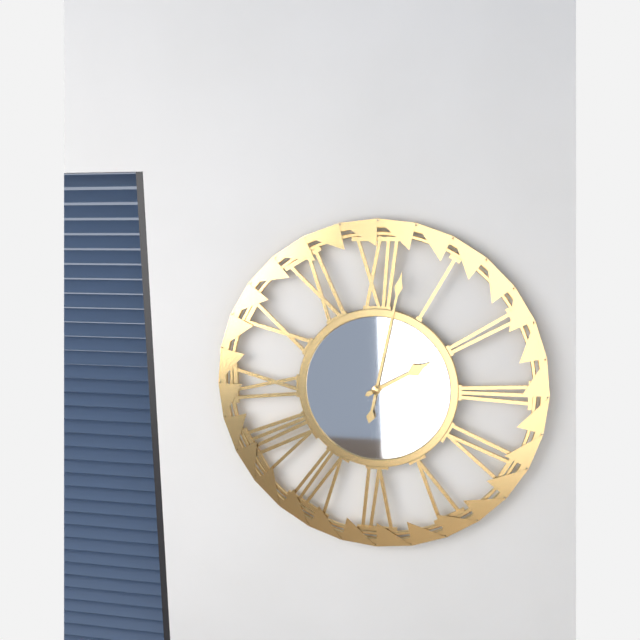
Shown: 2:02
